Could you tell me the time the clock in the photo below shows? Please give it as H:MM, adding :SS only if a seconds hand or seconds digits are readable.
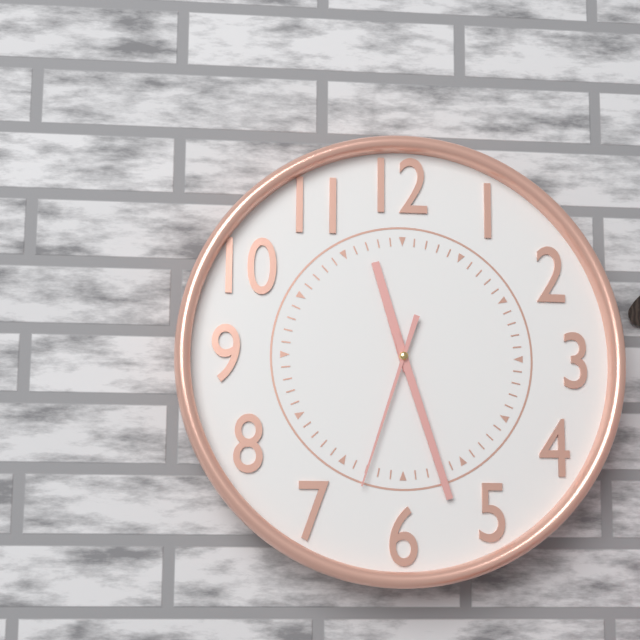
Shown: 11:27:33
